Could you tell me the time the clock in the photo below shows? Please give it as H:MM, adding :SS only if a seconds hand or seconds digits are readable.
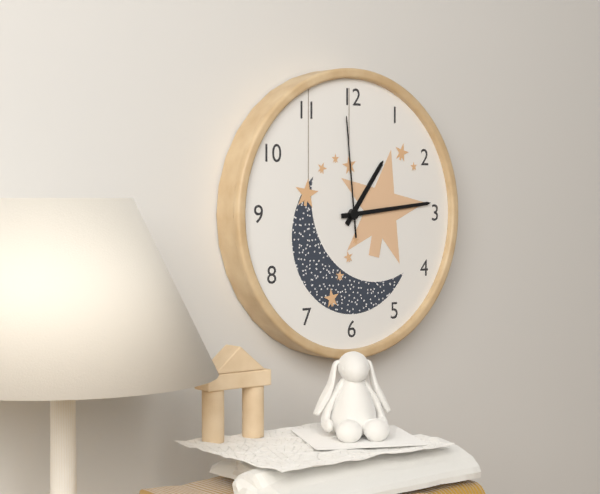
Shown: 1:14:59
